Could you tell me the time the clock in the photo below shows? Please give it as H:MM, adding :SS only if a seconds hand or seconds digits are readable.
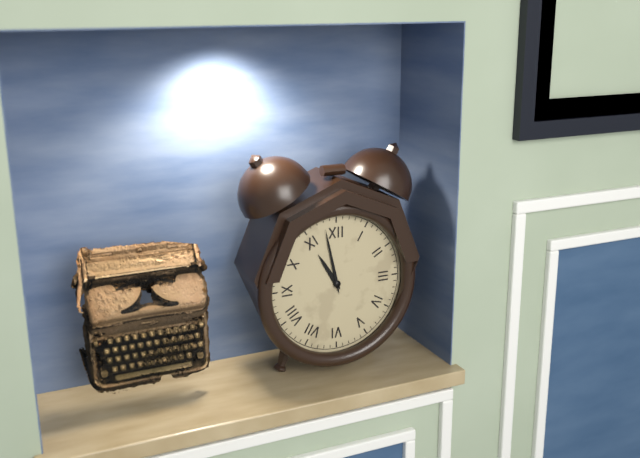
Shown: 10:58
